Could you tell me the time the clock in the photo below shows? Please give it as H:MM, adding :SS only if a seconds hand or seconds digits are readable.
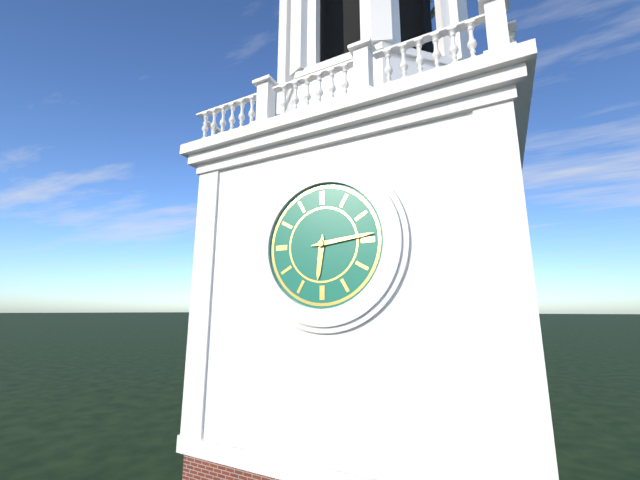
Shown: 6:14
